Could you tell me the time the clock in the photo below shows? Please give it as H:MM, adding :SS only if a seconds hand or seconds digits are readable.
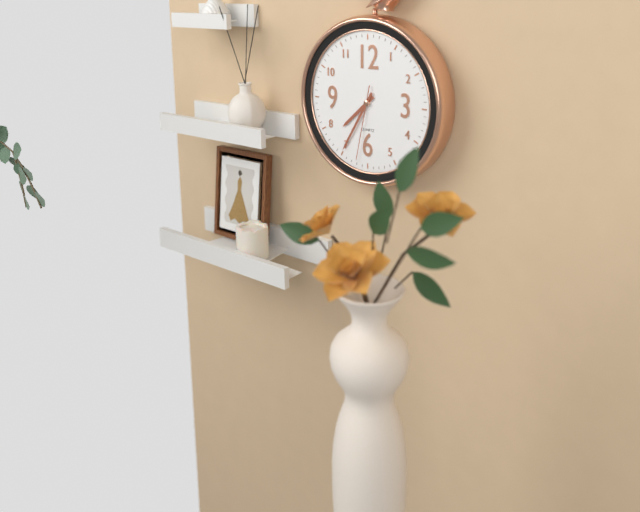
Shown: 7:35:32
